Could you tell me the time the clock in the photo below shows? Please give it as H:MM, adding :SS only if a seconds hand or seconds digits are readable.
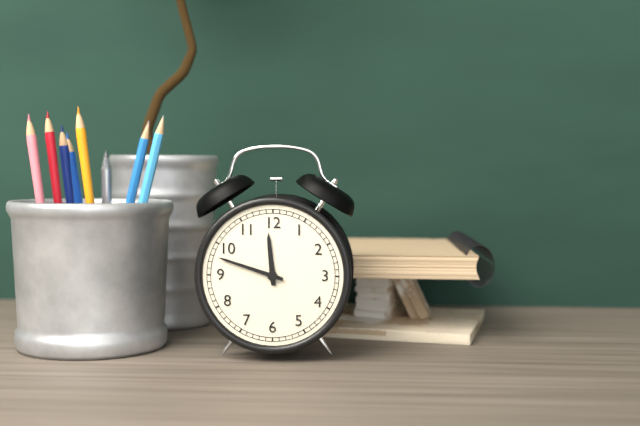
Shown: 11:48
